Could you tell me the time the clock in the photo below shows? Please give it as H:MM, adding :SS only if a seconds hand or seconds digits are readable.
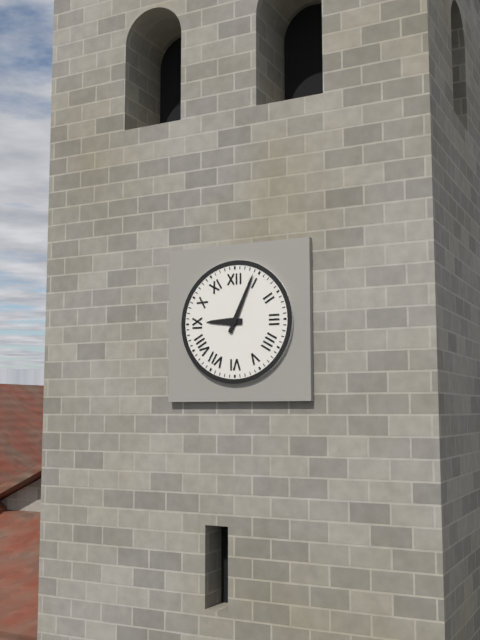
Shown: 9:04
